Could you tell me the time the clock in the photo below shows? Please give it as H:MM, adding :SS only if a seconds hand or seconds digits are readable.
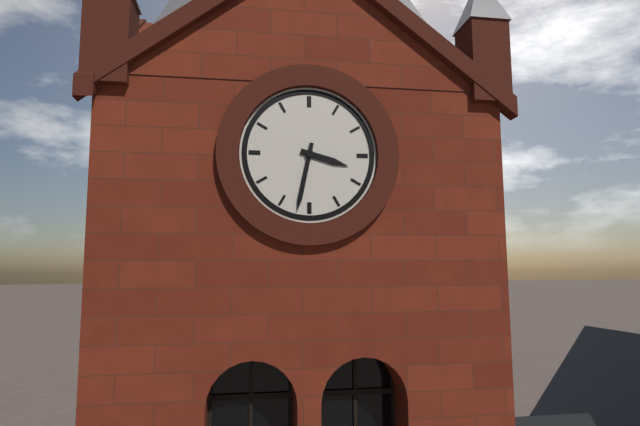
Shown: 3:32
